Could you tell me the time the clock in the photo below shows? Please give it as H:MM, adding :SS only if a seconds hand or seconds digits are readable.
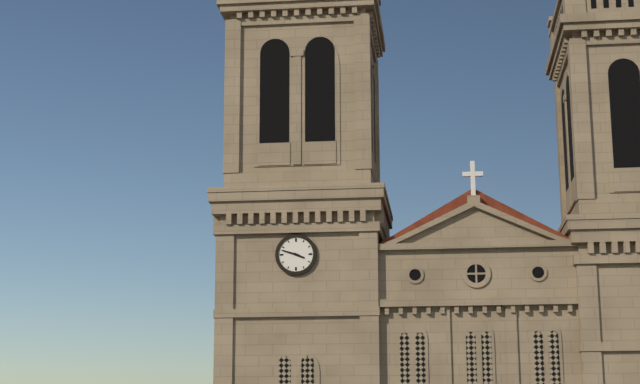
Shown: 3:48
